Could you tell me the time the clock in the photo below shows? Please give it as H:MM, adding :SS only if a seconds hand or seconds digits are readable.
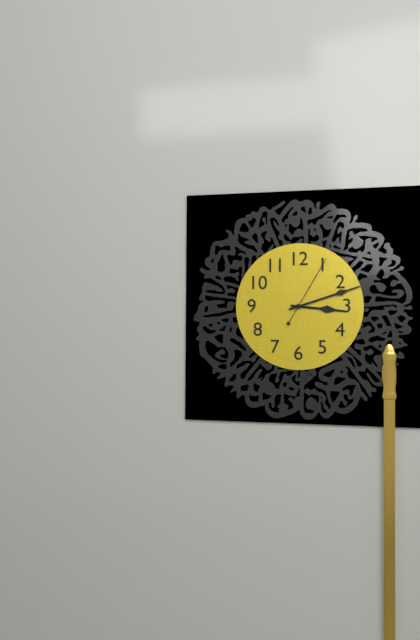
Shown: 3:12:05
